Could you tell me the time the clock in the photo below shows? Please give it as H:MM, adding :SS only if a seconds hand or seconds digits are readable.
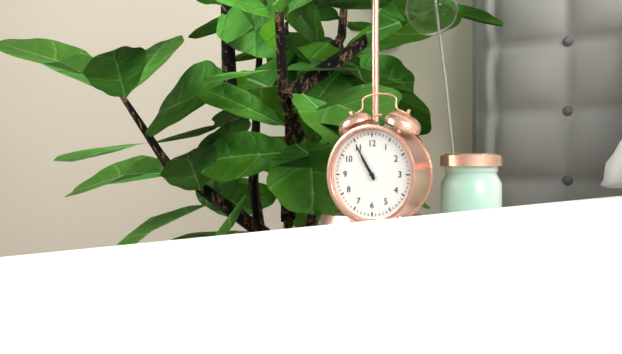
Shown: 10:55
